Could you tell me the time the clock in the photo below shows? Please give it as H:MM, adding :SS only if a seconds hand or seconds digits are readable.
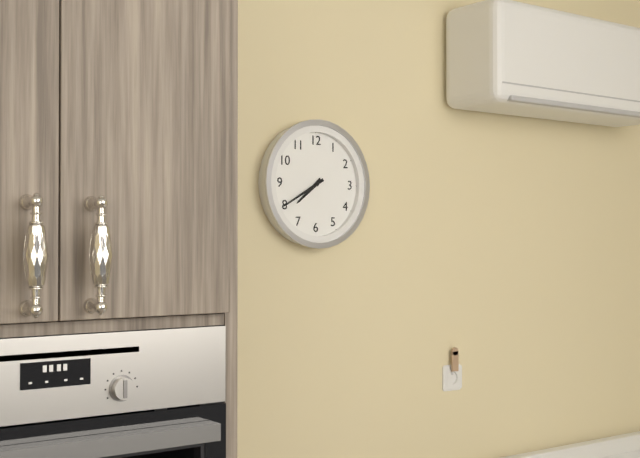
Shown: 7:40
